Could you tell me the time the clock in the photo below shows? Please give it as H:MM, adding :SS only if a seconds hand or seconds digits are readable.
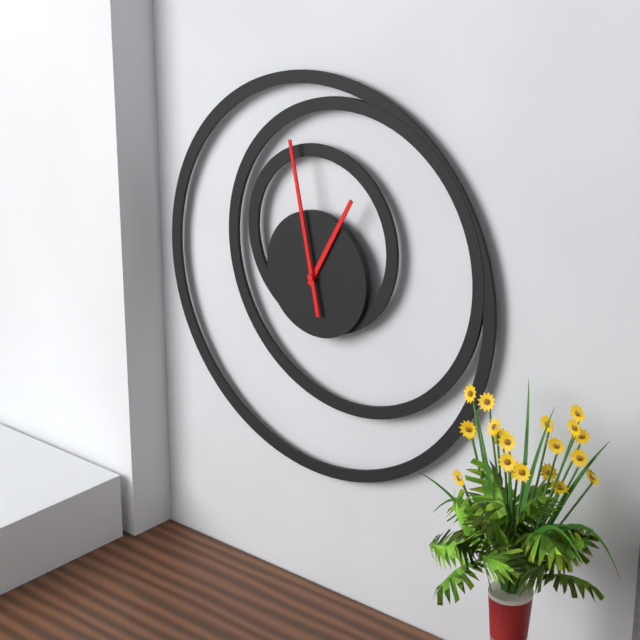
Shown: 12:58
